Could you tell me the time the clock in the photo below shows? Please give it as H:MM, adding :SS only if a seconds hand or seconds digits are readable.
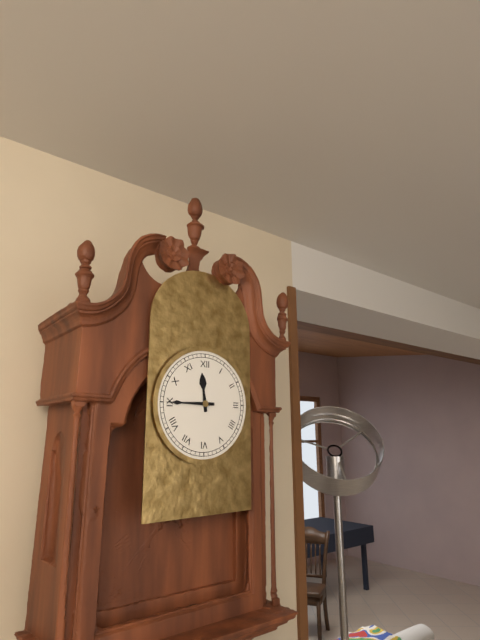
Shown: 11:45
